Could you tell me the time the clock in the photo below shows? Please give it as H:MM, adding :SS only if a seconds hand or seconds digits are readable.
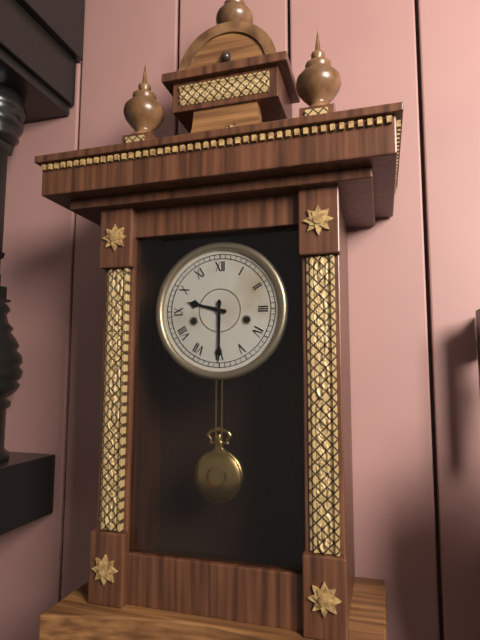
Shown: 9:30
